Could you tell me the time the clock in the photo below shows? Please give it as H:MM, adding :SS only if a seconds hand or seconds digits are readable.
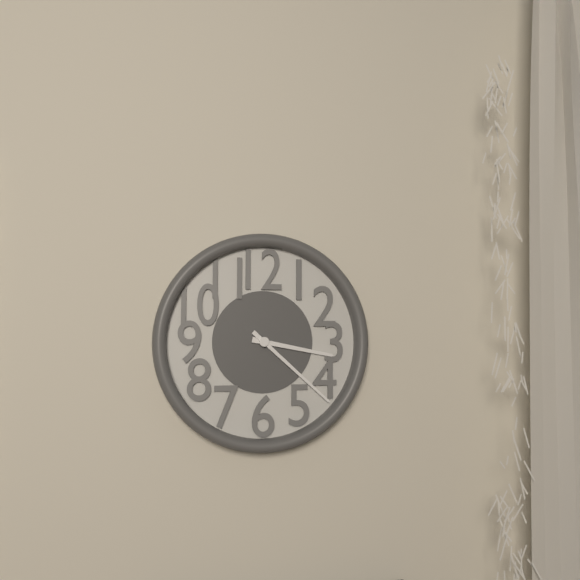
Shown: 3:22
